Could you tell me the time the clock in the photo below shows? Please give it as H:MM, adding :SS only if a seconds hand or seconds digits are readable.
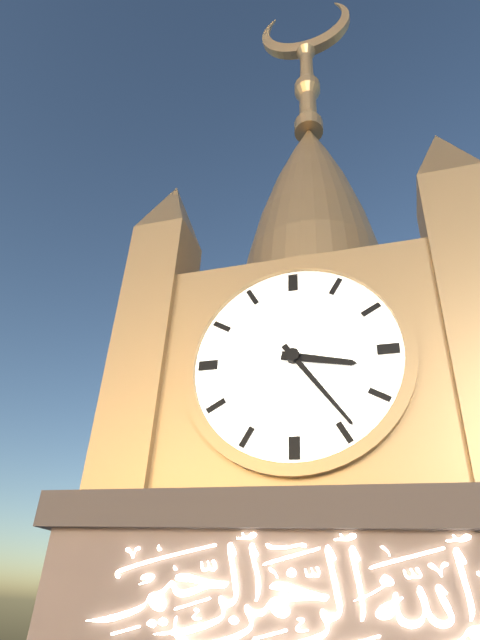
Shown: 3:24
